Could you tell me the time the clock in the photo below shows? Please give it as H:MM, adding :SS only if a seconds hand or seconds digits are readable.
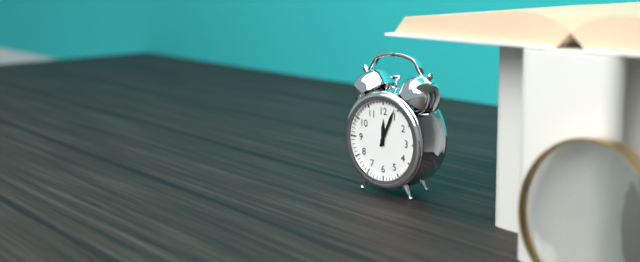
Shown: 12:04
